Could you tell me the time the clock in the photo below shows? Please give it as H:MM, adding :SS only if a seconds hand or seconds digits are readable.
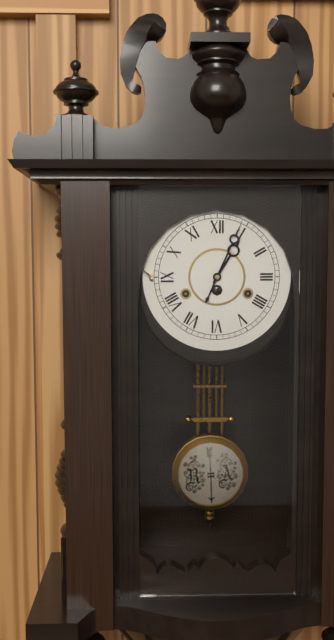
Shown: 1:04
